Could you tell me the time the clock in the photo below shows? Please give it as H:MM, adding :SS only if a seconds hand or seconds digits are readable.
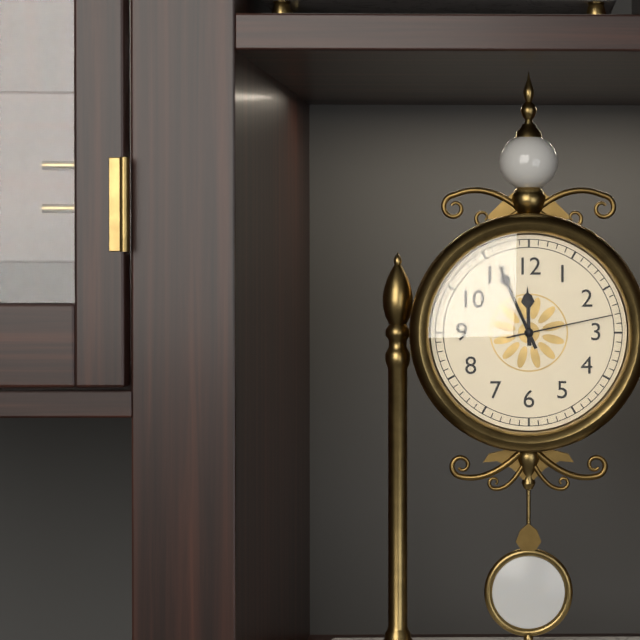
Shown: 11:56:13
